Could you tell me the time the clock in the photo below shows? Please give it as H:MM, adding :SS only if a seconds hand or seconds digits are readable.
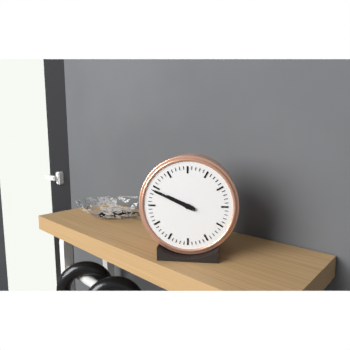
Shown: 9:49
